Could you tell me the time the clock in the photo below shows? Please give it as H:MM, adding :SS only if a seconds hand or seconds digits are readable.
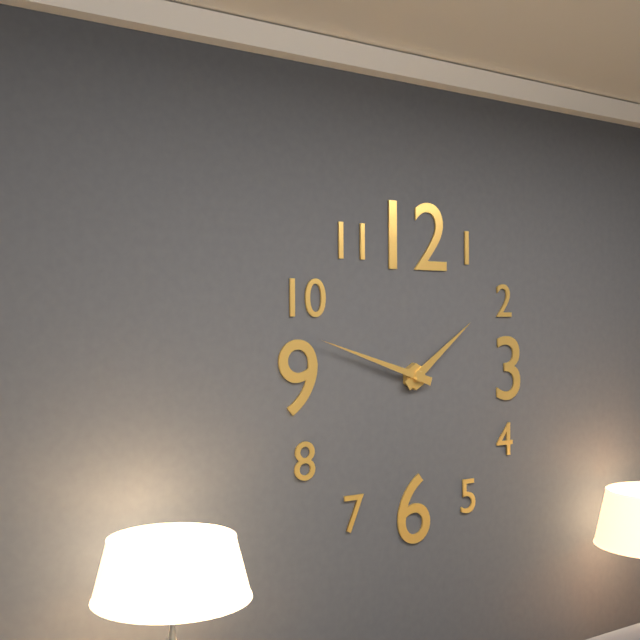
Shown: 1:48
